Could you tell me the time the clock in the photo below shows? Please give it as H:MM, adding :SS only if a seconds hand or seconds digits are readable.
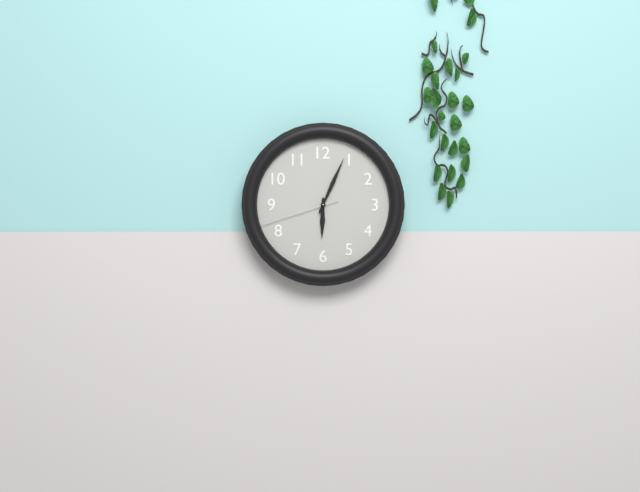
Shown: 6:04:42
